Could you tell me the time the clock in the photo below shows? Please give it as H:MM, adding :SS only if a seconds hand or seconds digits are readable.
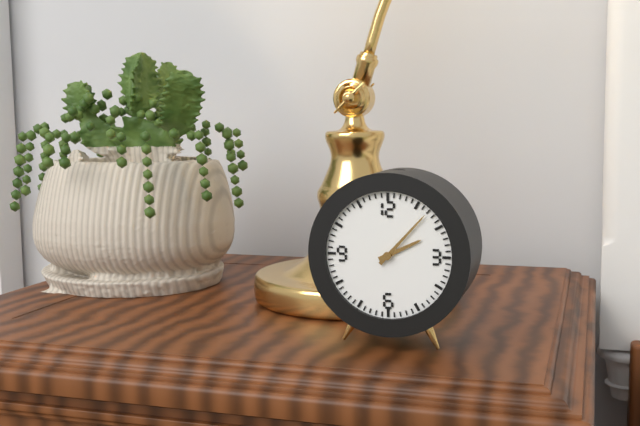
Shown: 2:07
